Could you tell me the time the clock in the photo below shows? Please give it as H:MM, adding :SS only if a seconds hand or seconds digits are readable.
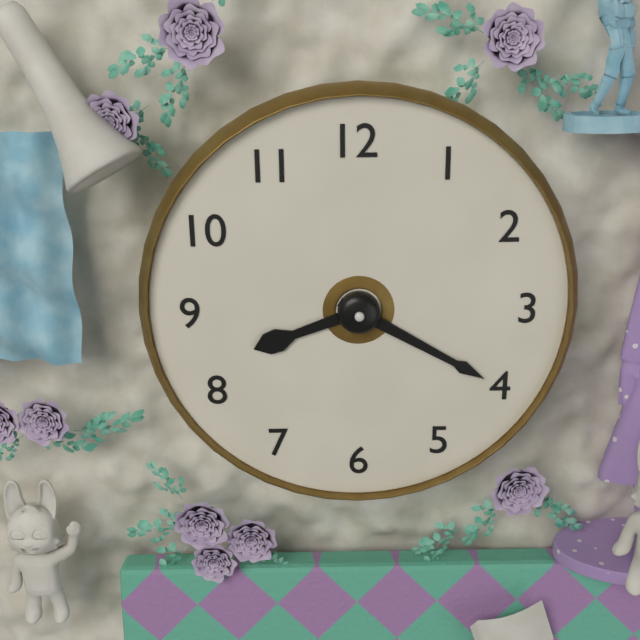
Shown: 8:20
